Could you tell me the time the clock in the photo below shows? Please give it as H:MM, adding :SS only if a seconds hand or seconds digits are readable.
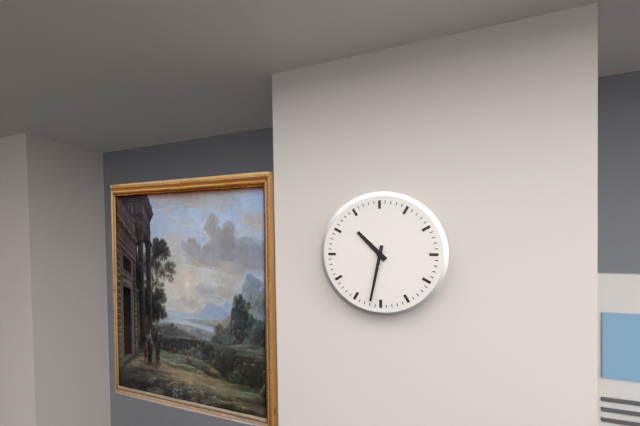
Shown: 10:32
